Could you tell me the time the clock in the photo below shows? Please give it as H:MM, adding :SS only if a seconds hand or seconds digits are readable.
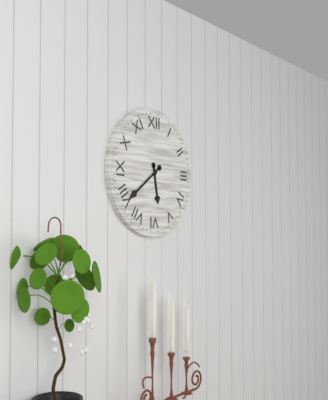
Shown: 5:39
